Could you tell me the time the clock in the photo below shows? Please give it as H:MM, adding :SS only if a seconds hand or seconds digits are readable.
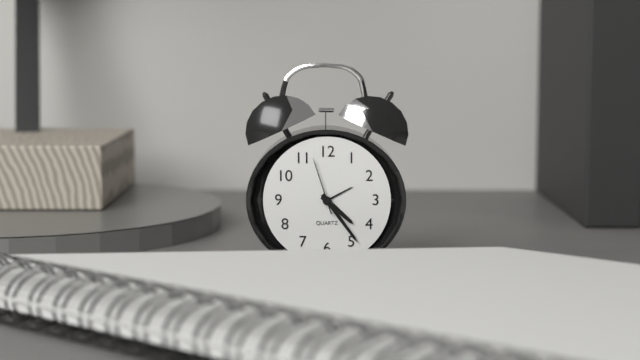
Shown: 4:24:57
